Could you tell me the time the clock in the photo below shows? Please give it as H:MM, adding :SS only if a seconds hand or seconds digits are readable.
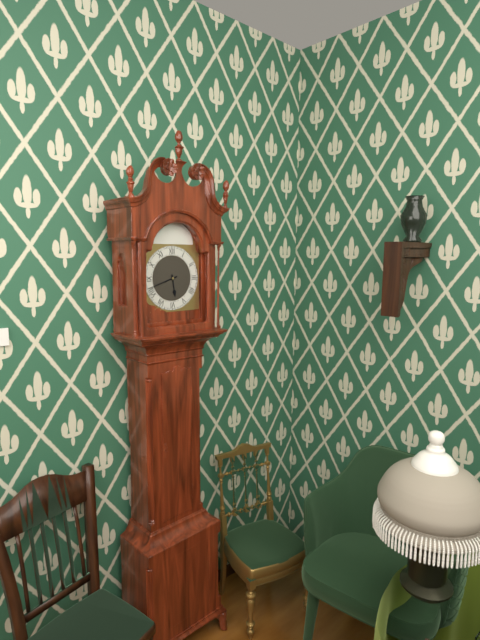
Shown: 5:42
